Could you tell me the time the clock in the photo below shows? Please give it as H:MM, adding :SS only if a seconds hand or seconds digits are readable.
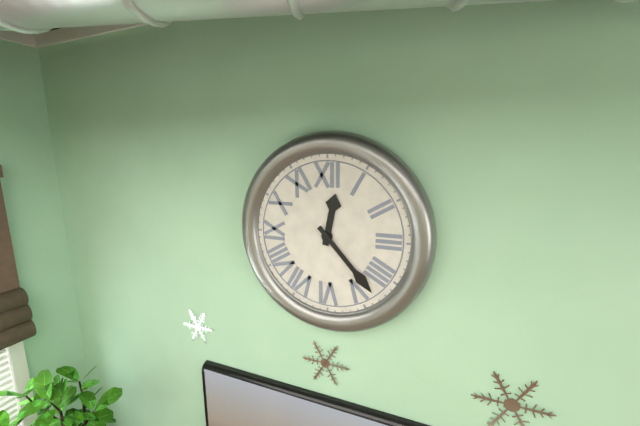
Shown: 12:23
